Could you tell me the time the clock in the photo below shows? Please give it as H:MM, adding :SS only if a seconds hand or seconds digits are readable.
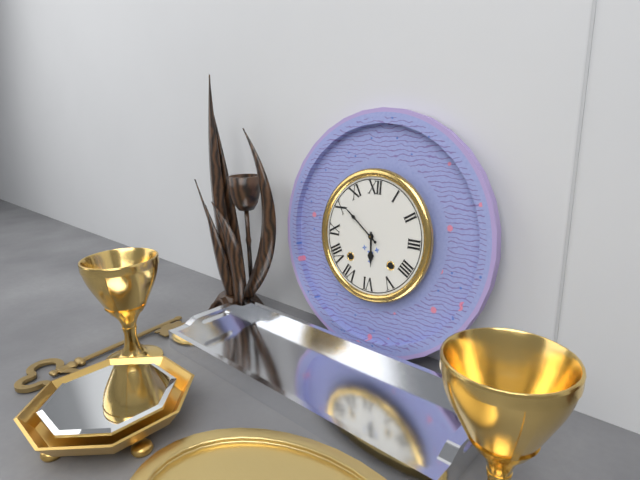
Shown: 5:51
